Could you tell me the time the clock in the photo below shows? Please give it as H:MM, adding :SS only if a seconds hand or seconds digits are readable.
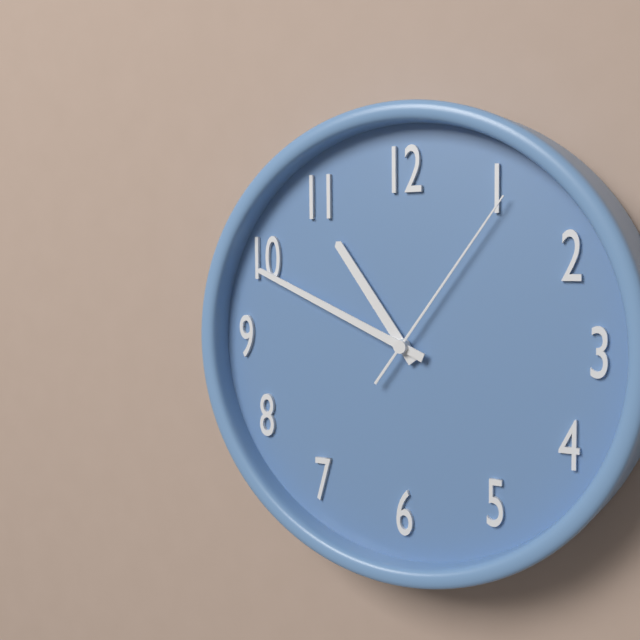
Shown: 10:49:06
